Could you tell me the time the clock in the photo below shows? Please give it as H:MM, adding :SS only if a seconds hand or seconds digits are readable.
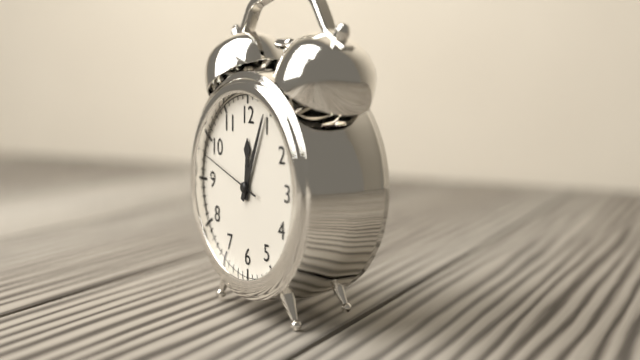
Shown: 12:04:48
